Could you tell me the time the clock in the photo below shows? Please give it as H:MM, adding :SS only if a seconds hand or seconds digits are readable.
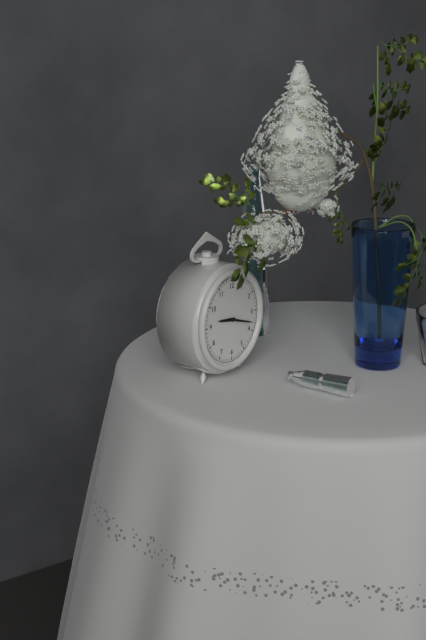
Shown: 9:18
